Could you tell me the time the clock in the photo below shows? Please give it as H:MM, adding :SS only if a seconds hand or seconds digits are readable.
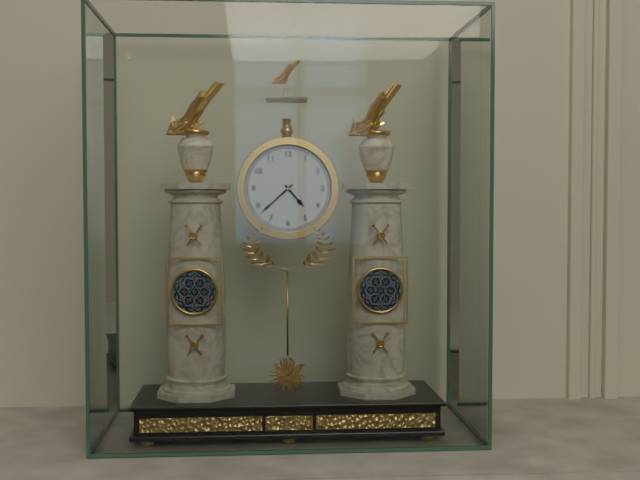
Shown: 4:38
